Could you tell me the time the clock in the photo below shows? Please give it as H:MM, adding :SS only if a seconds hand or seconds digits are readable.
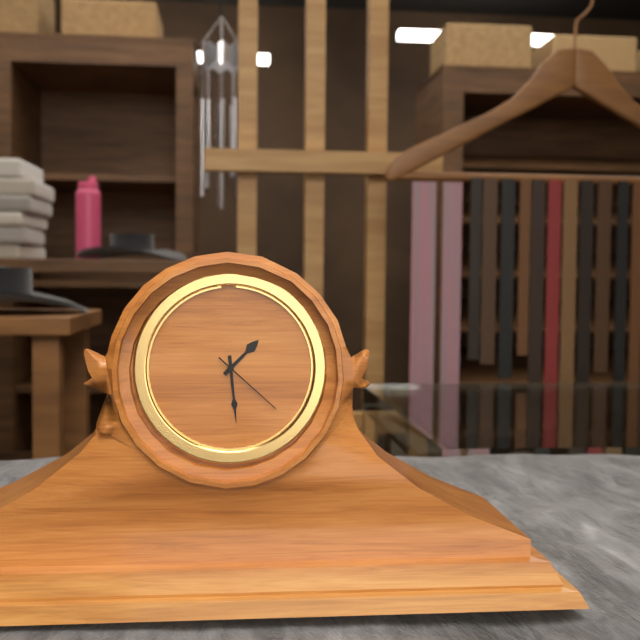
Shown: 1:29:22
